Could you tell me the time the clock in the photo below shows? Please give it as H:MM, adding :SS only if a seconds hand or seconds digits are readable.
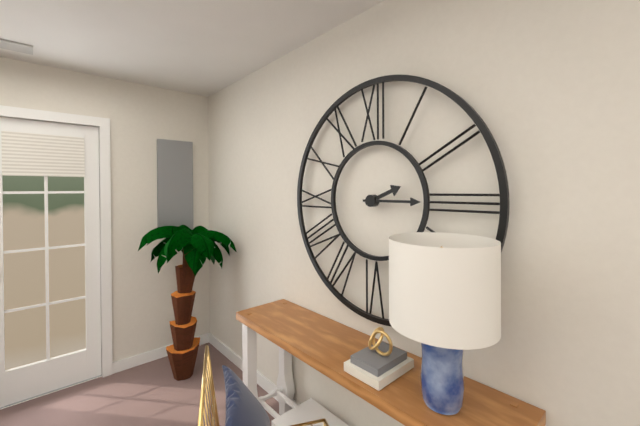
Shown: 2:15
